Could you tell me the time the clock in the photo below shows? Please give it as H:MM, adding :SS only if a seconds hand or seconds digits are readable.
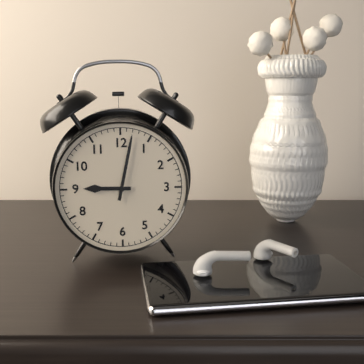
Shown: 9:02
